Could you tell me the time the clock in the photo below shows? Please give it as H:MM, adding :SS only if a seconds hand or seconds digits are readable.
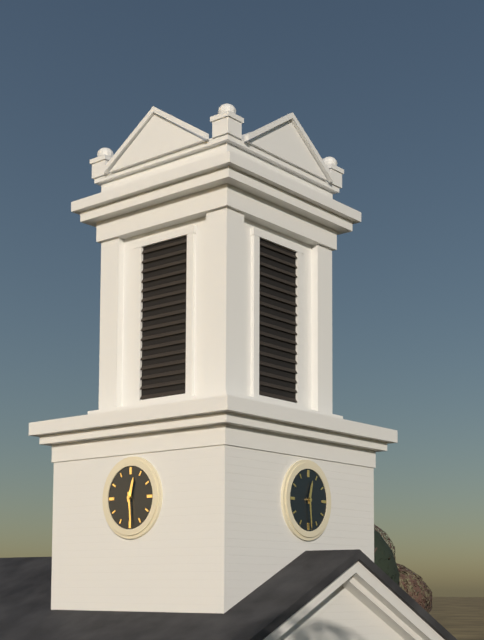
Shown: 12:29
